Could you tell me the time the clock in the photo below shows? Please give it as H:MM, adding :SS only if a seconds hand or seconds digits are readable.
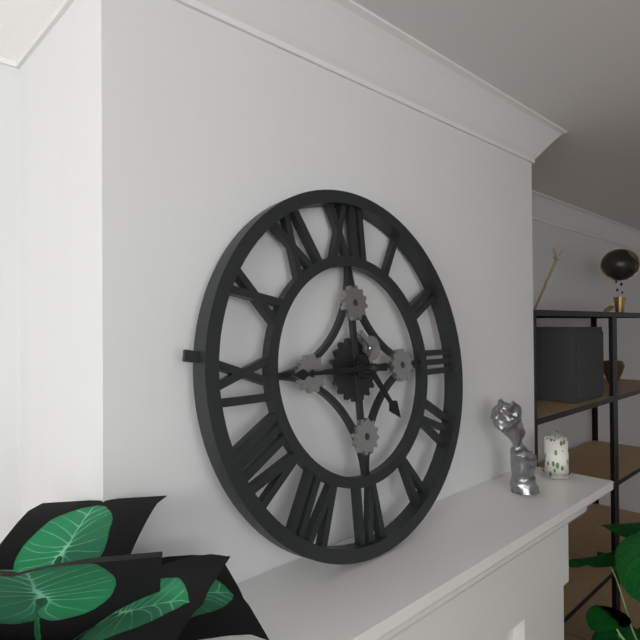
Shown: 4:45
